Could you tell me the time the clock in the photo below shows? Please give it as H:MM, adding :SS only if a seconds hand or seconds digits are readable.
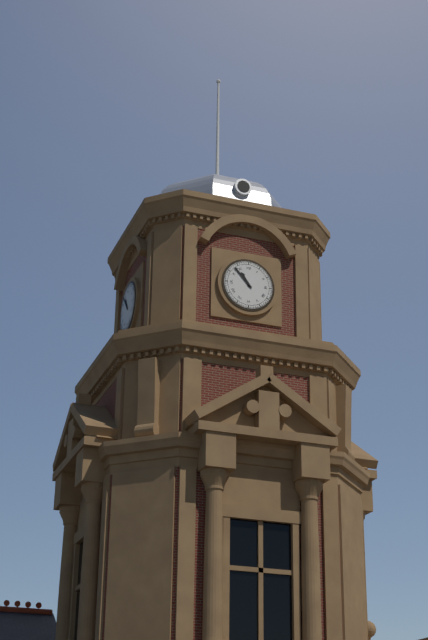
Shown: 10:53
